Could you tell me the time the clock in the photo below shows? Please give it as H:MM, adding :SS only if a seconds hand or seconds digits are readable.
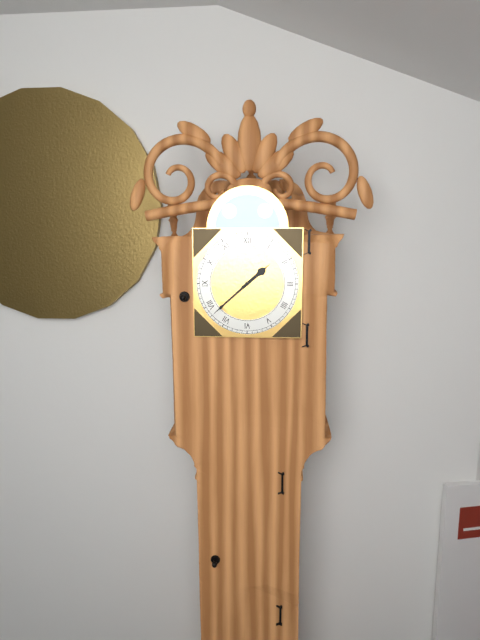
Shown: 1:38
